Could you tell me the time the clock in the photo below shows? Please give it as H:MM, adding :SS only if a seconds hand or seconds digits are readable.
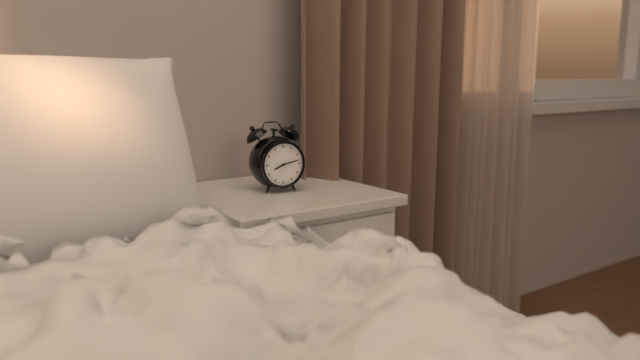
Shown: 8:13
